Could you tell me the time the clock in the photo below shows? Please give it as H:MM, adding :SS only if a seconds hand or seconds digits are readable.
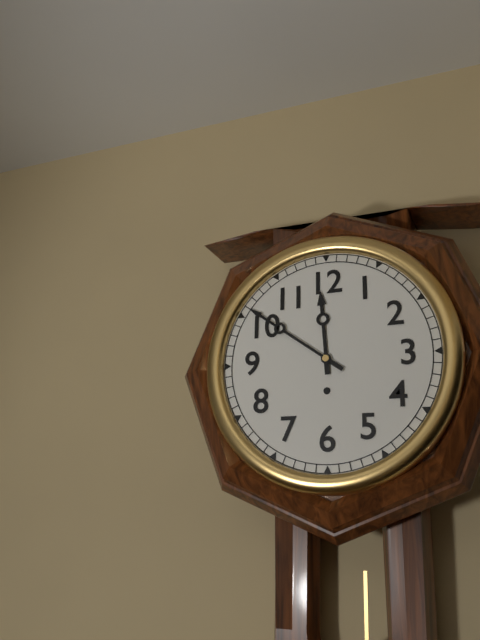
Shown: 11:51
